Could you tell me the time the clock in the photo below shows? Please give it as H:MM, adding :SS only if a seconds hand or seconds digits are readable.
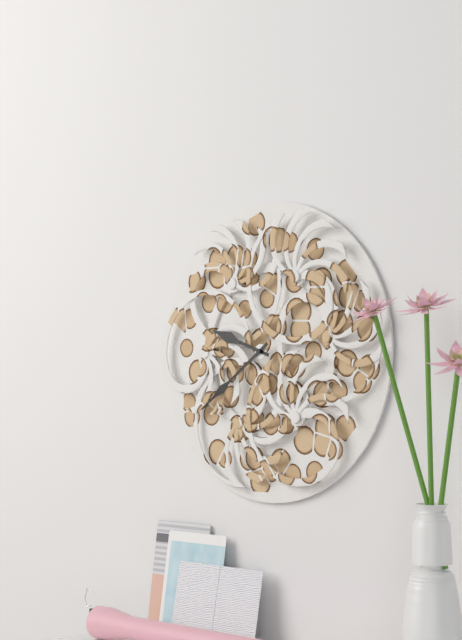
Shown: 9:39
